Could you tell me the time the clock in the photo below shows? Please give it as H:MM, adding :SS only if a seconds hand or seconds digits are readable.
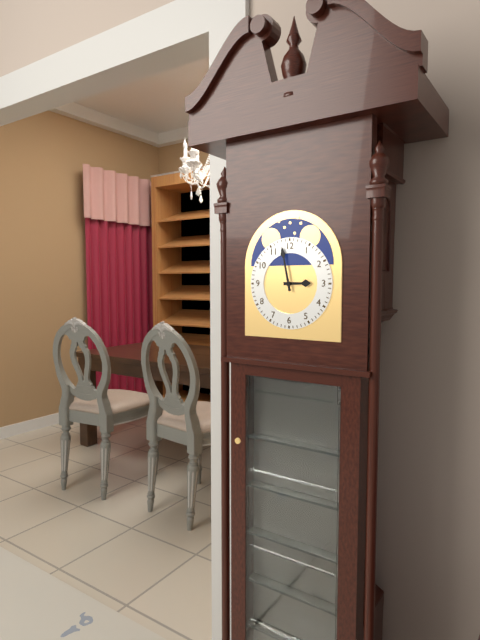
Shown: 2:58
